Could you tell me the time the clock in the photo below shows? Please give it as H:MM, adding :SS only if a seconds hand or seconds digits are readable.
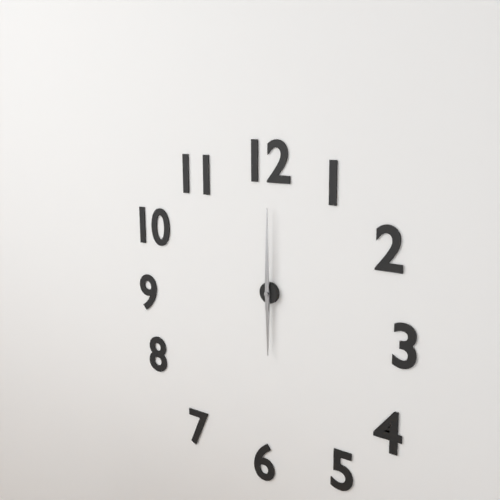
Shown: 6:00
